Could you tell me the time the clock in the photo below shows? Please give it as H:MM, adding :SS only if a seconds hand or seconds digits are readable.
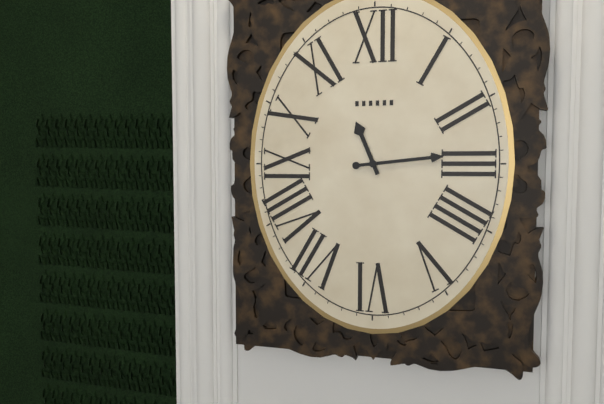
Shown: 11:14
